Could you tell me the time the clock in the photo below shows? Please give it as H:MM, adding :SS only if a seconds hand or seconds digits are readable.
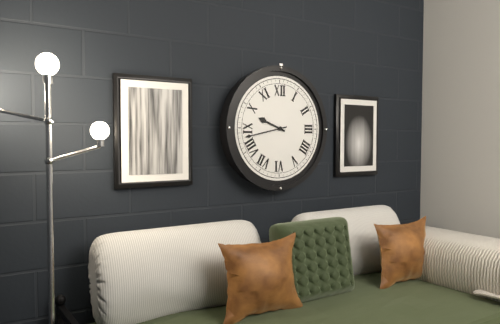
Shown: 9:43
